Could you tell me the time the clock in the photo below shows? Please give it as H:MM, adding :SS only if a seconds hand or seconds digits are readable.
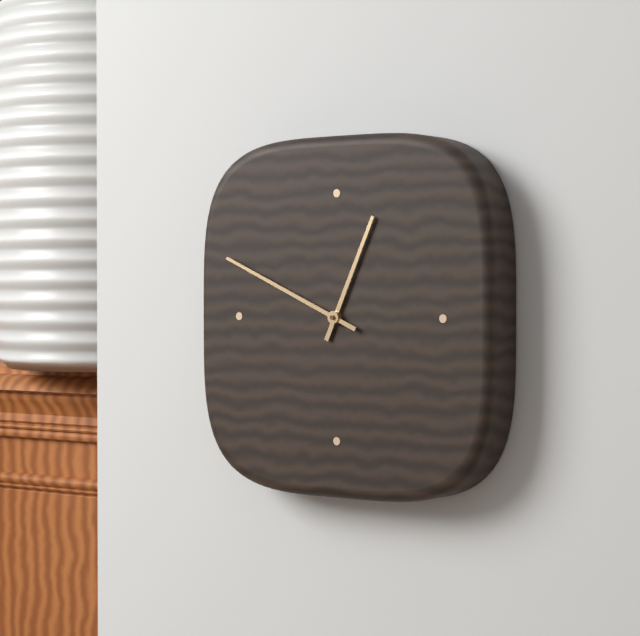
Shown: 12:49
